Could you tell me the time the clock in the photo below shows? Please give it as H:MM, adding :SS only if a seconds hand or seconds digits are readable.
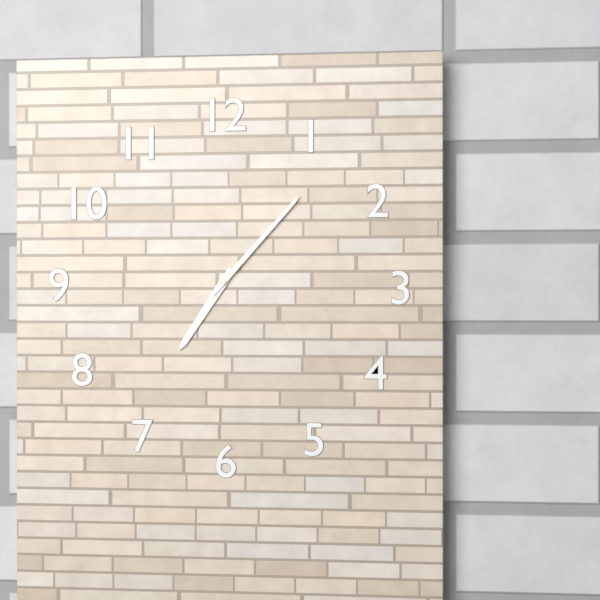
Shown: 7:07
